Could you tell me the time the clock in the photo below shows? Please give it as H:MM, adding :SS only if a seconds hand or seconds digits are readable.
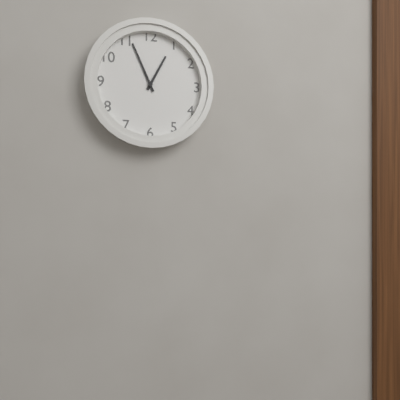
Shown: 12:56
